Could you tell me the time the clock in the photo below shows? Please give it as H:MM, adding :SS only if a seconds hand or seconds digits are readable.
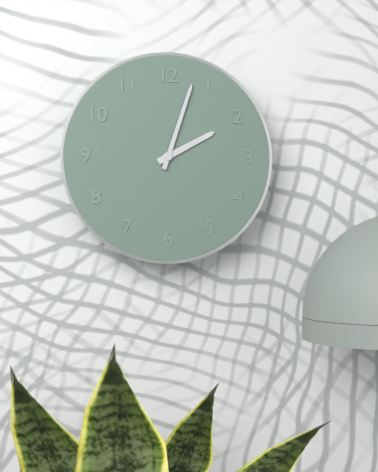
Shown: 2:03
